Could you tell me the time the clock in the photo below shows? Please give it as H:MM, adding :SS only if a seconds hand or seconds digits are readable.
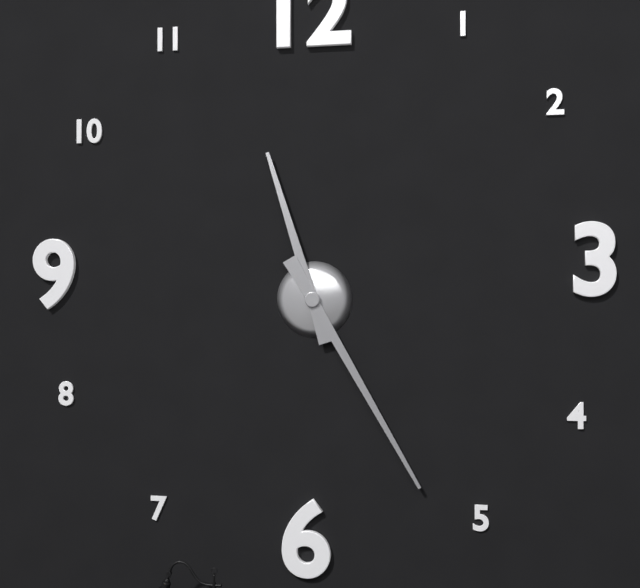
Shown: 11:25
